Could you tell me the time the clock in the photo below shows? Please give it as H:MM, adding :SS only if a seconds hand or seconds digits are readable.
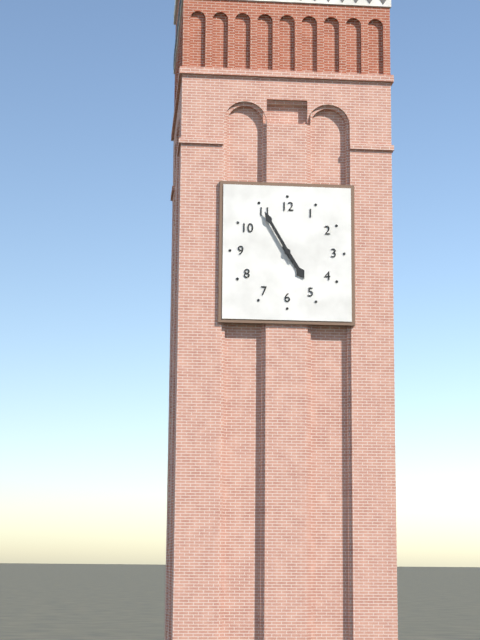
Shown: 4:55
